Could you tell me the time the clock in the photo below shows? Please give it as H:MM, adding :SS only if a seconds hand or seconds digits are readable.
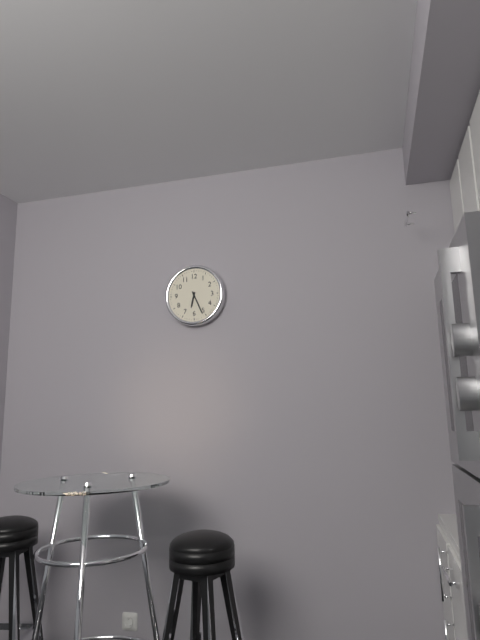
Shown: 6:26
